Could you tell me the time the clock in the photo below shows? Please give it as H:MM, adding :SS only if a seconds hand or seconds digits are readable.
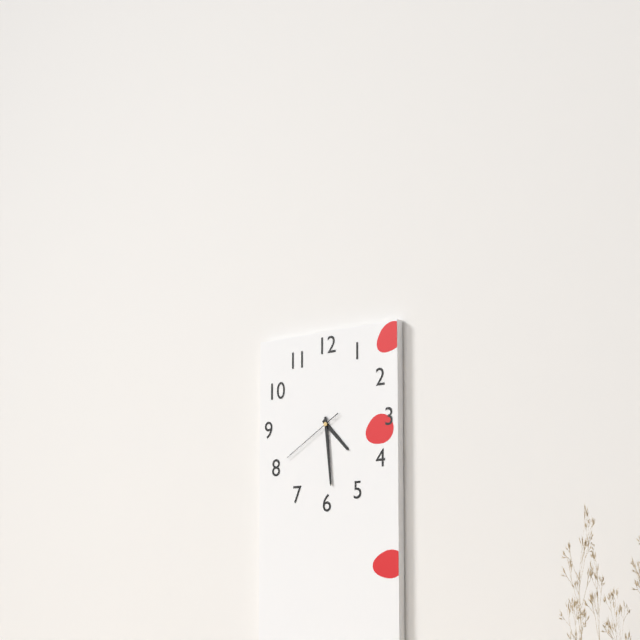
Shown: 4:29:40
